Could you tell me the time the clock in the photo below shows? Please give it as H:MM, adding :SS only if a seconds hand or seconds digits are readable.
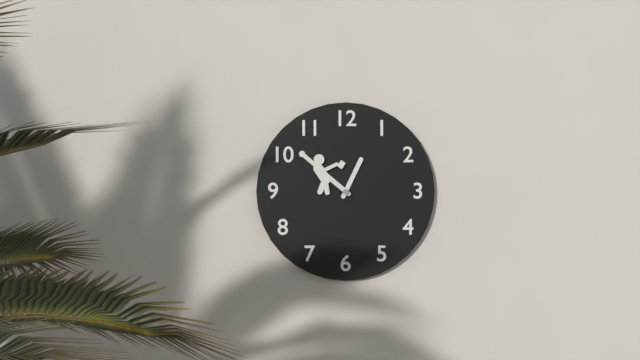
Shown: 12:51
